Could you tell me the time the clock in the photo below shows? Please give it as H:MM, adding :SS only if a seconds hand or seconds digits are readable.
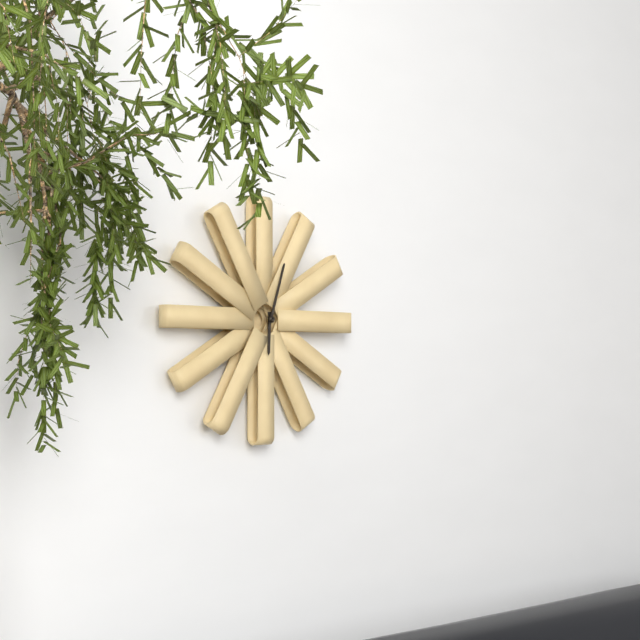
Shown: 6:03
